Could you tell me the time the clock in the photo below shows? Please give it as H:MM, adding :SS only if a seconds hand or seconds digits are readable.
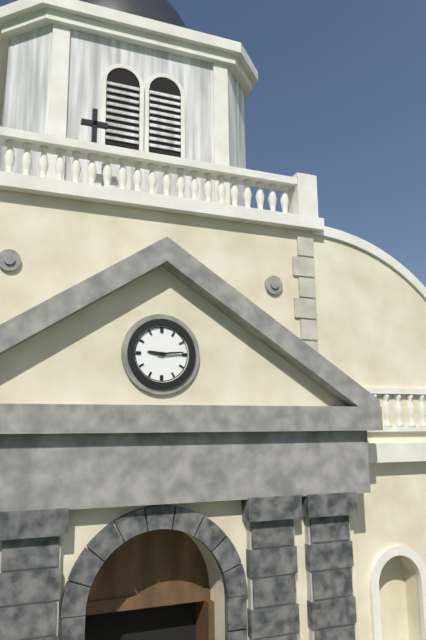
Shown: 9:14
